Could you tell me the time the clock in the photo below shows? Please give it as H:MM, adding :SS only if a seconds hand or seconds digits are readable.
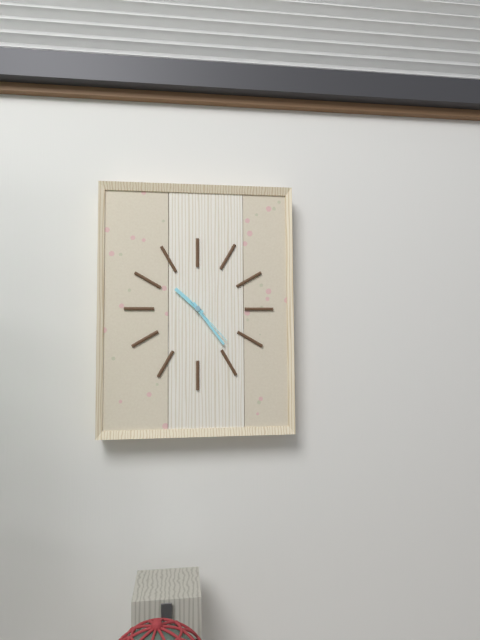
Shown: 10:24:23
